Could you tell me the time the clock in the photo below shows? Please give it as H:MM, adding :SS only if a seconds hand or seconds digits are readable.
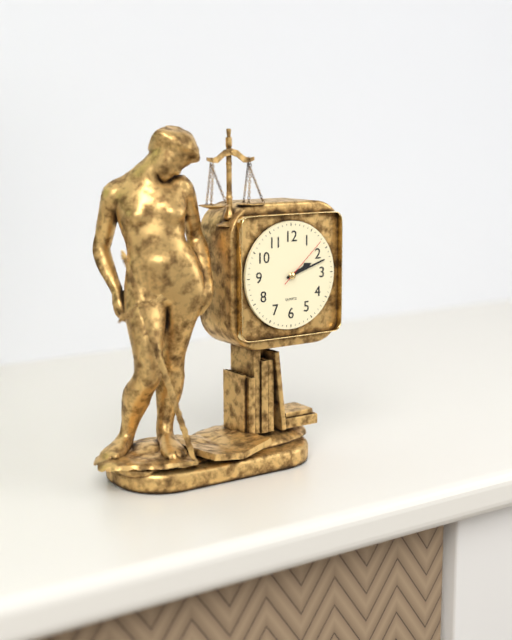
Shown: 2:12:08
